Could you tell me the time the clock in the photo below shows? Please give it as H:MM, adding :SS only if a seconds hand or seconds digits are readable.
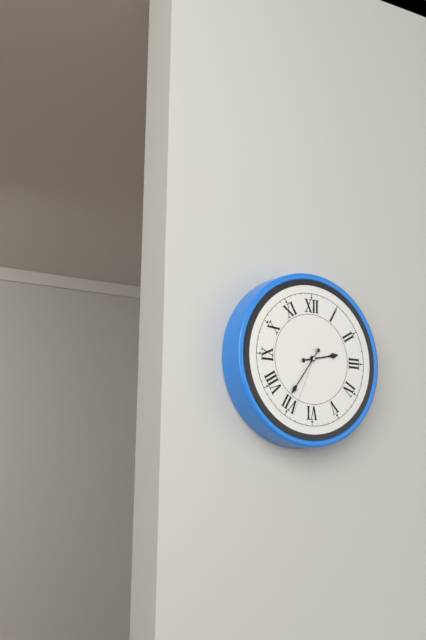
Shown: 2:36:34
